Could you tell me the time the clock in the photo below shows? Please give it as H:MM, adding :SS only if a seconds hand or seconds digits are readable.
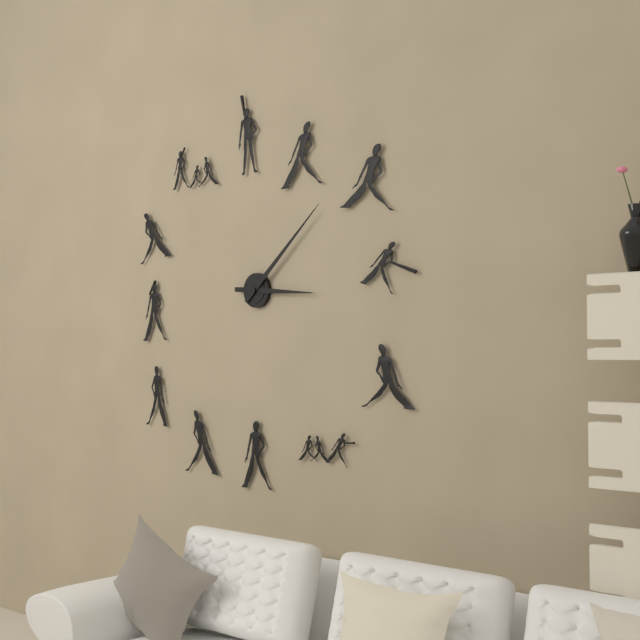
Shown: 3:08
